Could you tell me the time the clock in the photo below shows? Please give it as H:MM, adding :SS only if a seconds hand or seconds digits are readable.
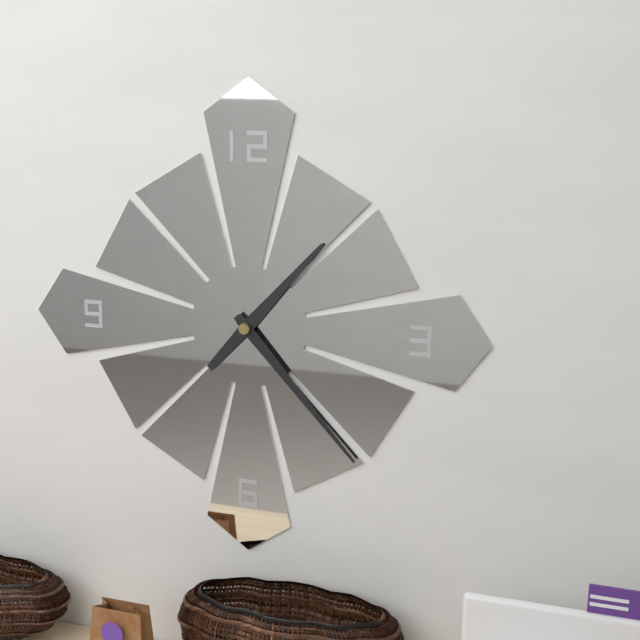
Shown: 1:23
